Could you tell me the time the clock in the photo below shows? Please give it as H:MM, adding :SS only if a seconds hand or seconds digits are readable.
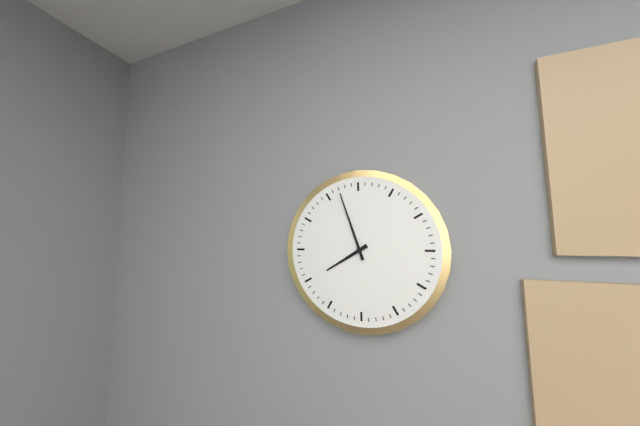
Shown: 7:57
